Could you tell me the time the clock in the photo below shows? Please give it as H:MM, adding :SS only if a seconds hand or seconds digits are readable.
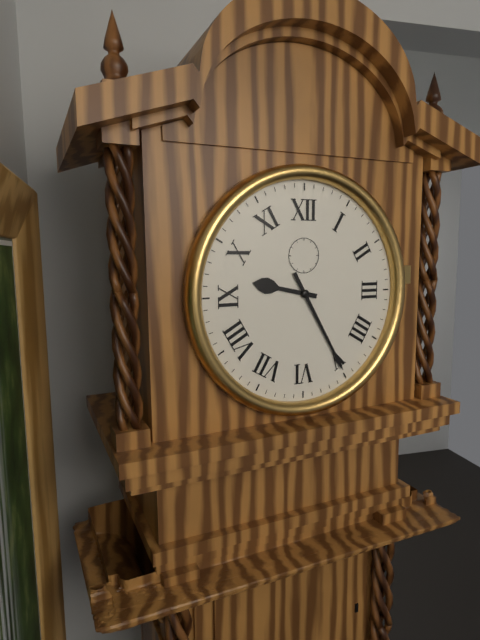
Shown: 9:25
